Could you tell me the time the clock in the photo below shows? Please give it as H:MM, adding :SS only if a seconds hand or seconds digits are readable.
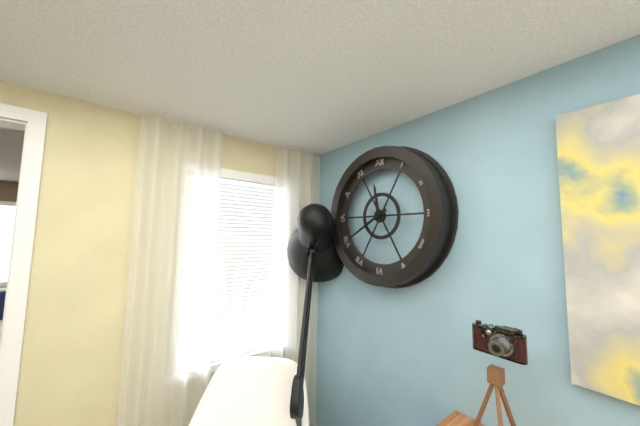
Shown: 11:40
